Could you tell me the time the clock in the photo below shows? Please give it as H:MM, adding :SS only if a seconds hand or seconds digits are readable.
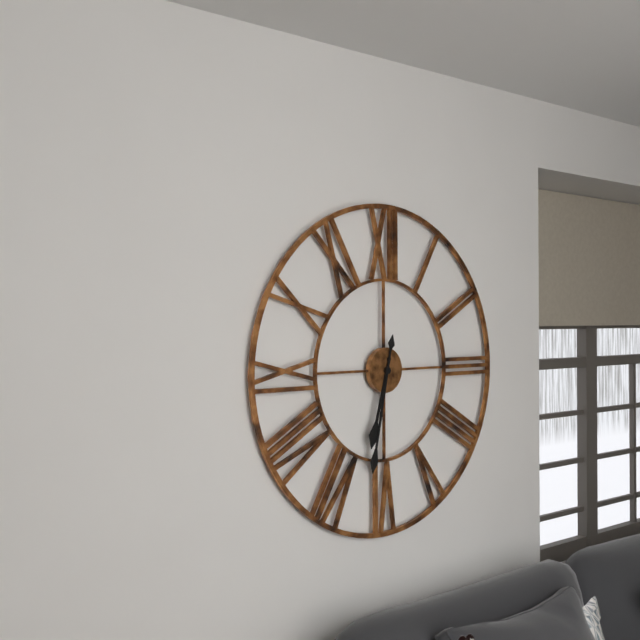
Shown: 6:32
